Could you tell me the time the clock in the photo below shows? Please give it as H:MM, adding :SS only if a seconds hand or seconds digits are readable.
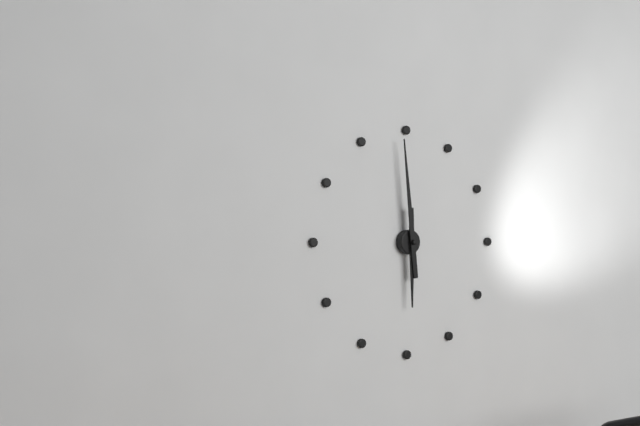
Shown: 5:59
